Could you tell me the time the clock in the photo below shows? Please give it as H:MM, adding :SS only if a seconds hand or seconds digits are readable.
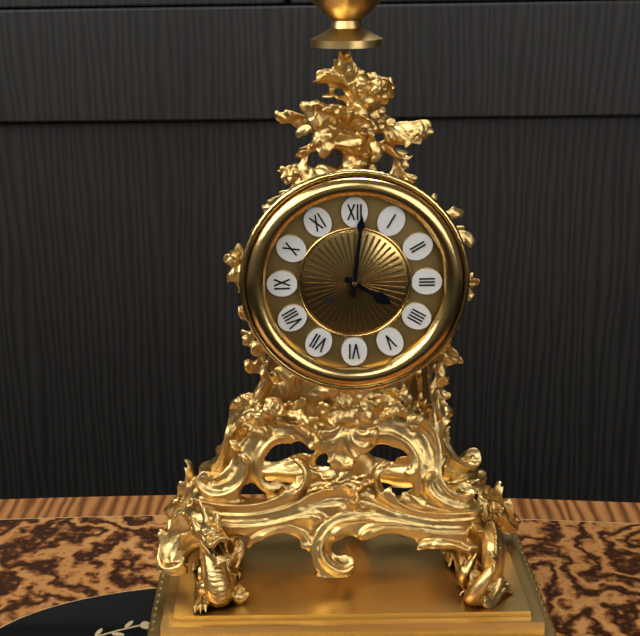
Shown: 4:01
